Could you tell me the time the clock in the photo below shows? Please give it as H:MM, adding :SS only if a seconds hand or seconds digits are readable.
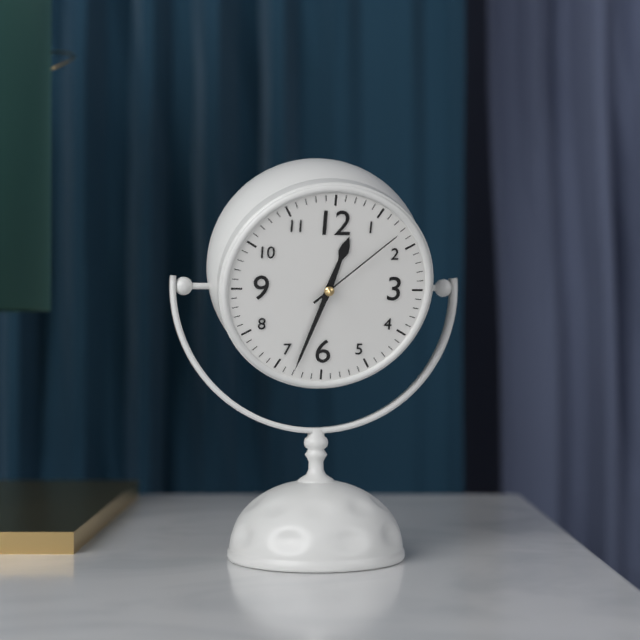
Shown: 12:33:08
